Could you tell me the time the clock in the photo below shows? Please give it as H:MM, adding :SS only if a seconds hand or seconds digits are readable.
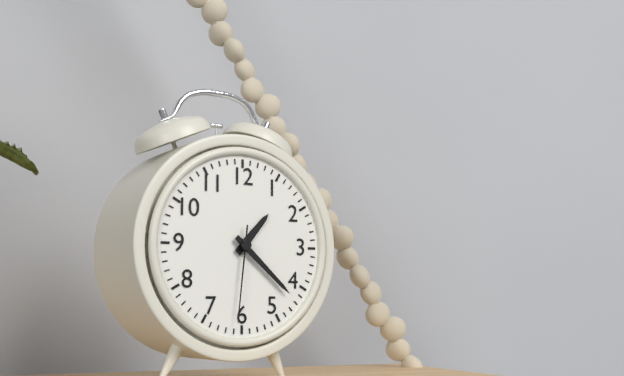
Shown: 1:22:31
